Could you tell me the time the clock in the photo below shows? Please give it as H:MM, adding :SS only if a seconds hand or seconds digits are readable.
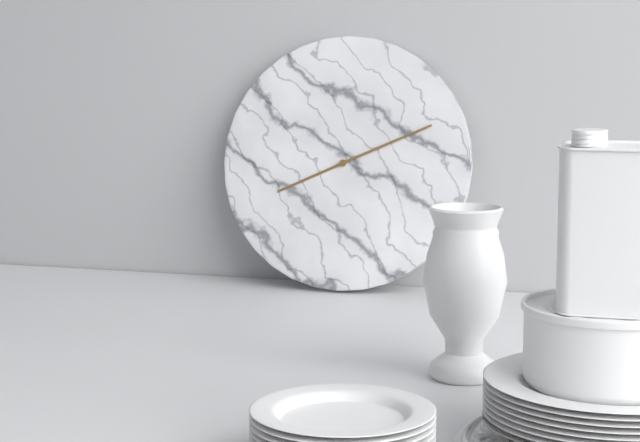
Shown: 8:11
